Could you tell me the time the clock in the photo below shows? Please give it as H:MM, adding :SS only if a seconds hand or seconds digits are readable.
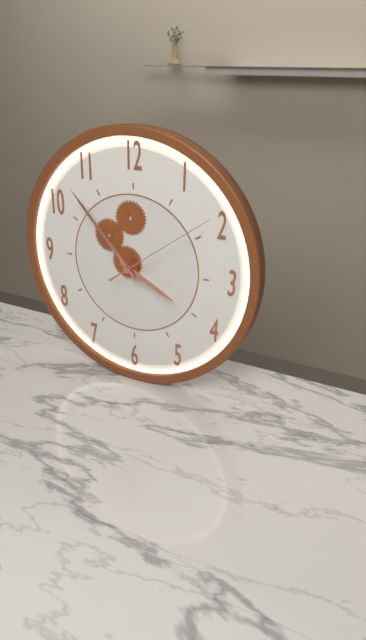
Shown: 3:53:09
